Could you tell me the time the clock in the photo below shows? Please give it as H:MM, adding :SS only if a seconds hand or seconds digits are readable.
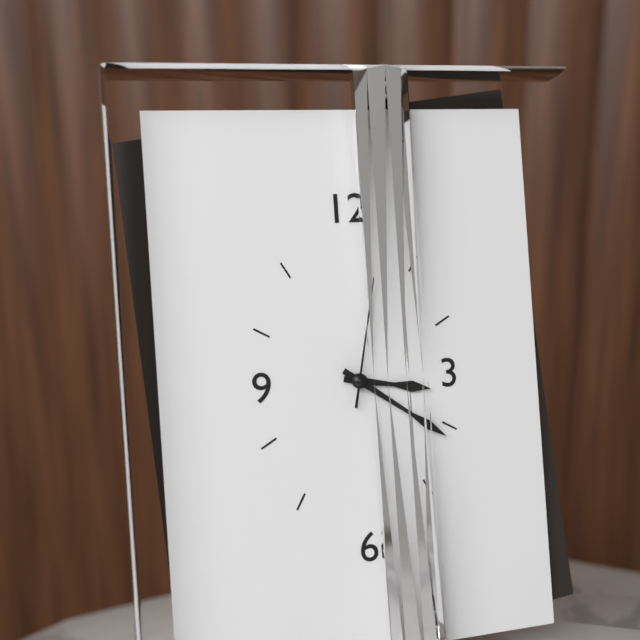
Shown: 3:21:02
